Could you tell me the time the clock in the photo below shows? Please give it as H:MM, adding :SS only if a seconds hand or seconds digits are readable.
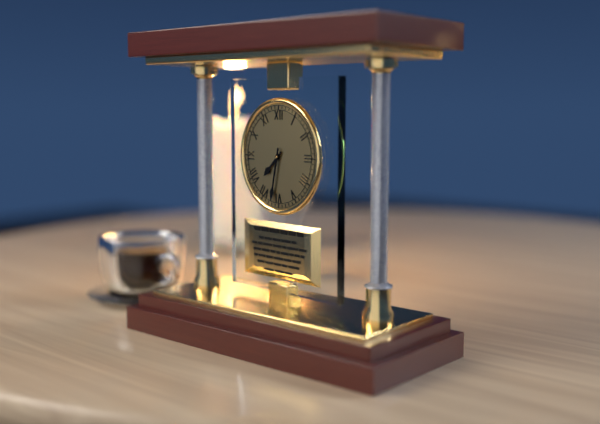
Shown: 7:32
